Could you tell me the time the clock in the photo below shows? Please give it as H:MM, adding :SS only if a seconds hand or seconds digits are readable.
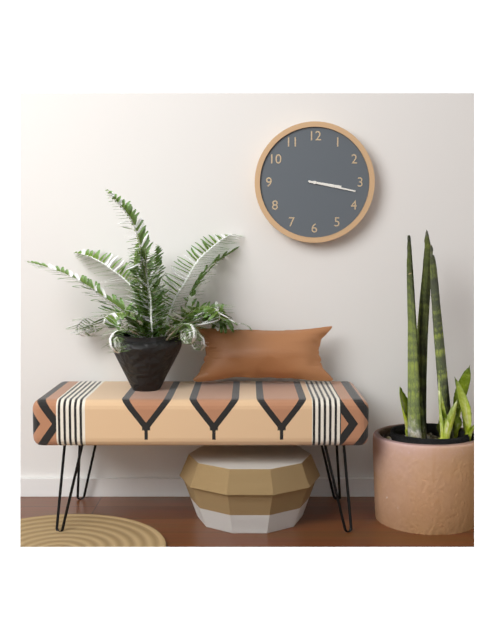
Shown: 3:17
